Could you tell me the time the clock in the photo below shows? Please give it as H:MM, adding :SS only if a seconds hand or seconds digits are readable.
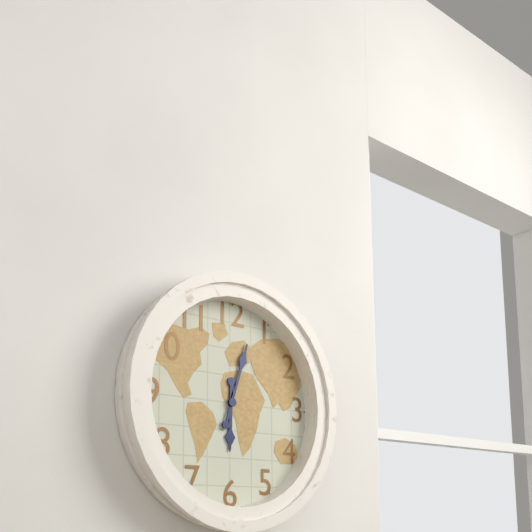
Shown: 6:03
